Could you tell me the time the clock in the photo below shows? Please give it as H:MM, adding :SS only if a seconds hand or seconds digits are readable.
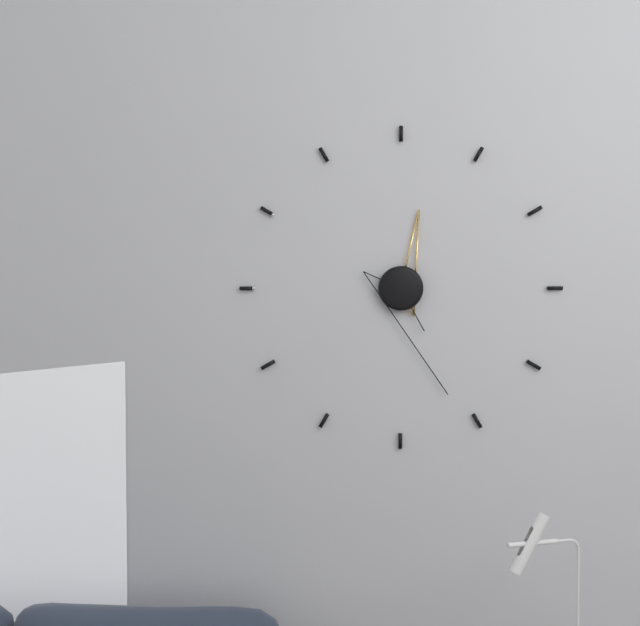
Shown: 12:26
